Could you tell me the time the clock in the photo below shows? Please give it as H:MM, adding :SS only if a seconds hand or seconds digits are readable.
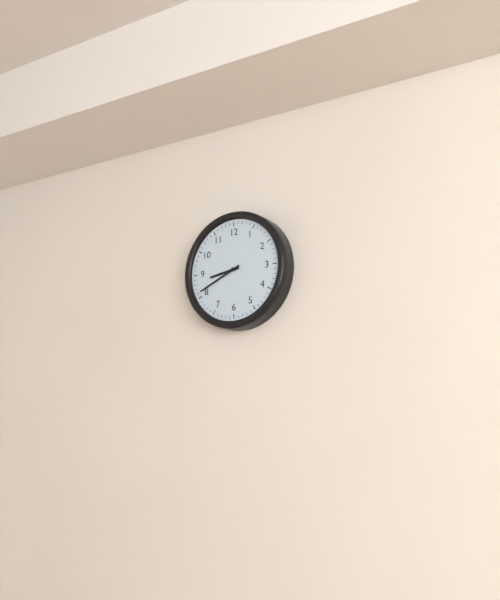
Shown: 8:41
